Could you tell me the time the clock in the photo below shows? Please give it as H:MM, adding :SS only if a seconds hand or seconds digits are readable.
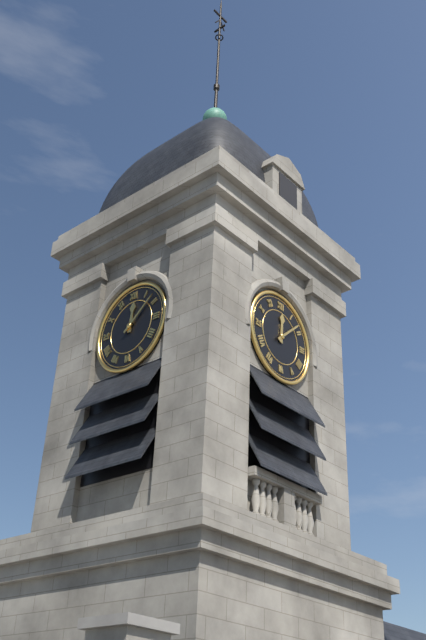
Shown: 12:08
